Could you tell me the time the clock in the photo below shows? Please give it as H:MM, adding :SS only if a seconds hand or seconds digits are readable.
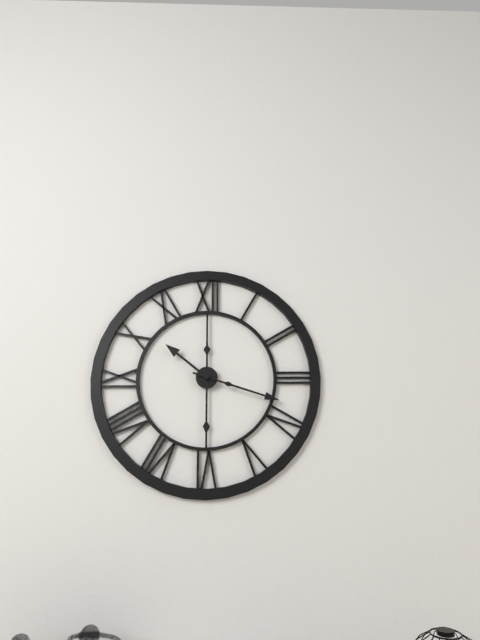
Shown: 10:18
